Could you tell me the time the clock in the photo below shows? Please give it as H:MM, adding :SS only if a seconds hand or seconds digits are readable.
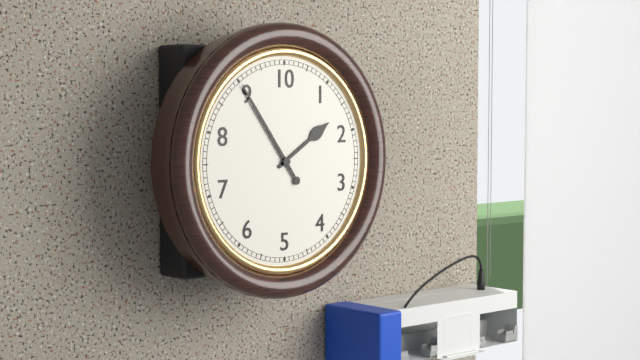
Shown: 1:54
